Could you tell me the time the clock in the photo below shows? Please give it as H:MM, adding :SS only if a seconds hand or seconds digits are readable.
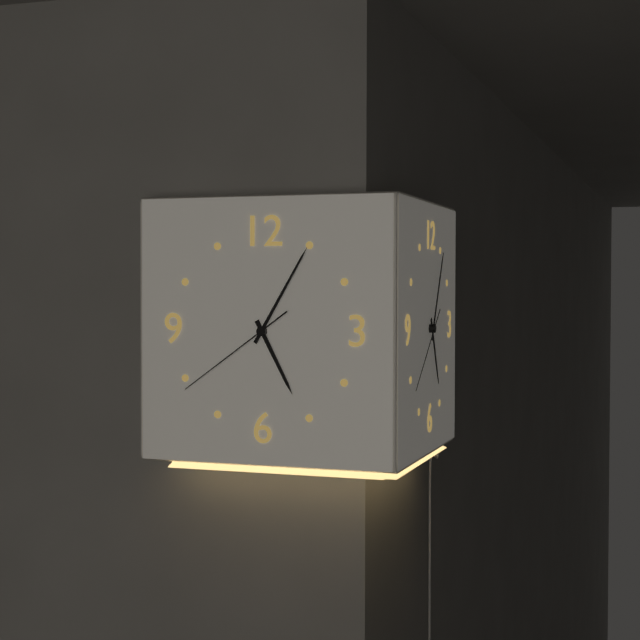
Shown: 5:05:39
